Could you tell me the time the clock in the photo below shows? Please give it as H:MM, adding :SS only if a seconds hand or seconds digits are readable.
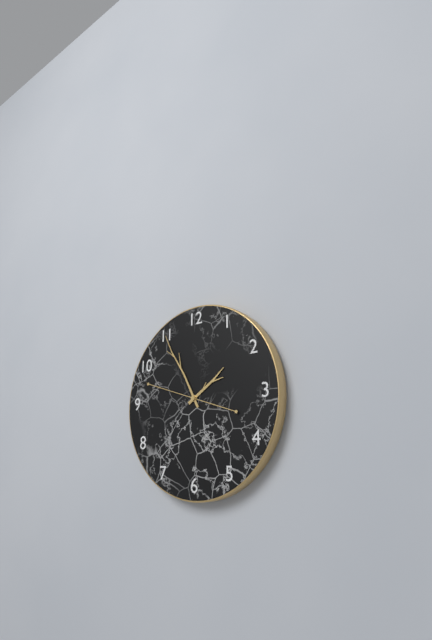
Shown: 1:55:48
